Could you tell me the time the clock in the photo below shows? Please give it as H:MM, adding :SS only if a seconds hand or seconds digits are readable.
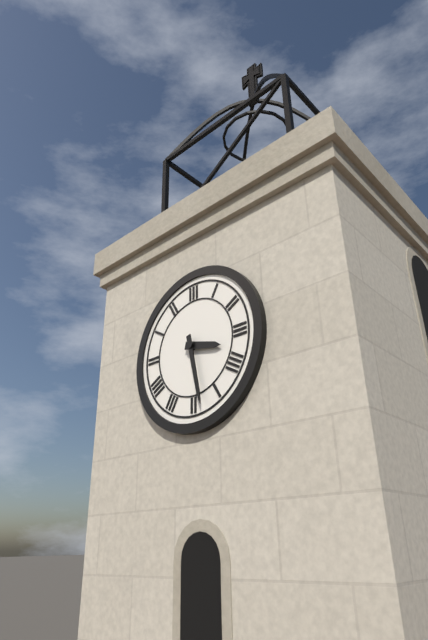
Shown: 3:28
